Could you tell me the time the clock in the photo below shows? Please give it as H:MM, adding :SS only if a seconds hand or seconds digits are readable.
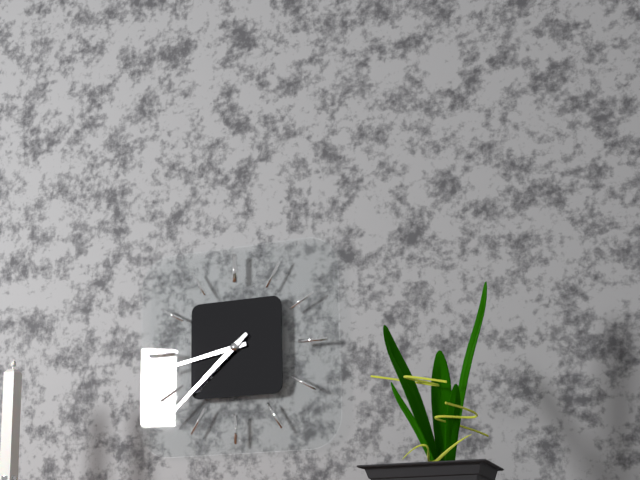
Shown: 8:38
